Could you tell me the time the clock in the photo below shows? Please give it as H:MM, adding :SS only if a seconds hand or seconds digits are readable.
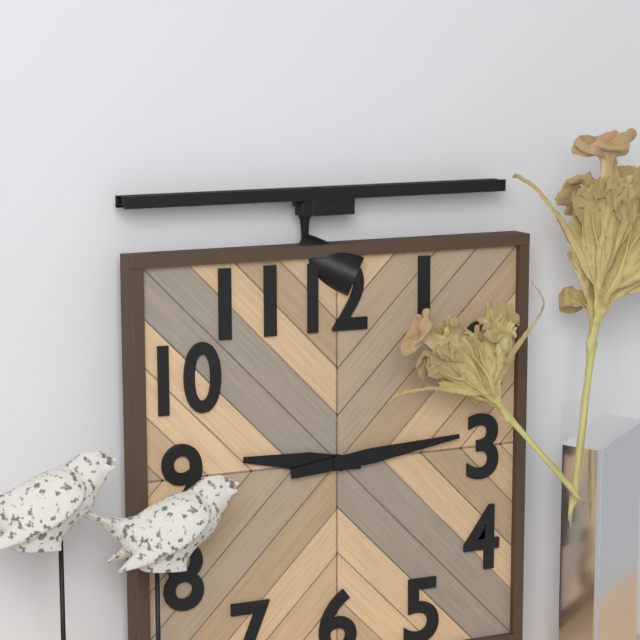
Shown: 9:14
